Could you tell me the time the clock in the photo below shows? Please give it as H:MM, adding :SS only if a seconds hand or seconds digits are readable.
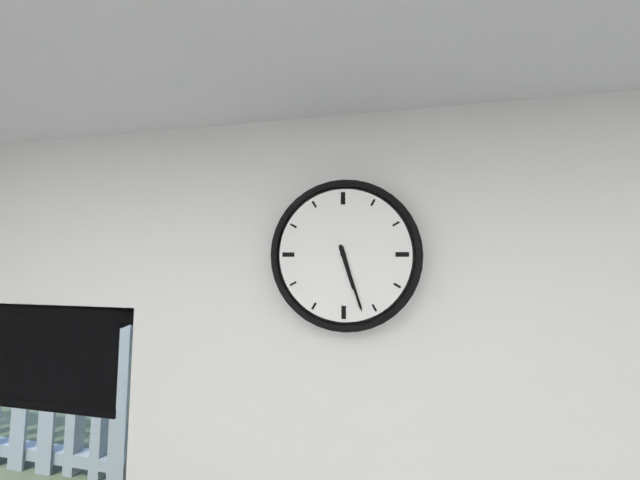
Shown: 5:27
